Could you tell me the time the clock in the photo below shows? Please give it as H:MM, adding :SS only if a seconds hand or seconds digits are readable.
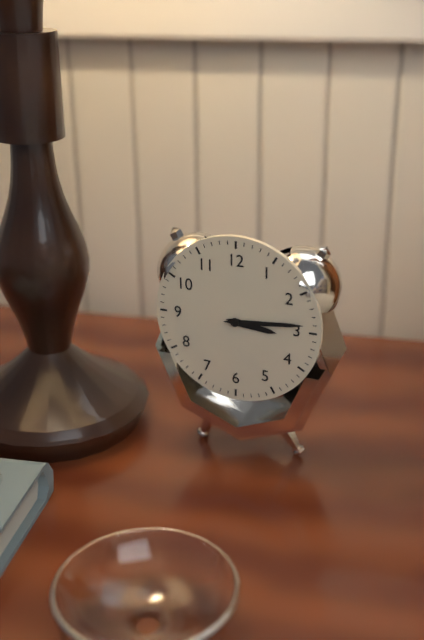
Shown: 3:14
